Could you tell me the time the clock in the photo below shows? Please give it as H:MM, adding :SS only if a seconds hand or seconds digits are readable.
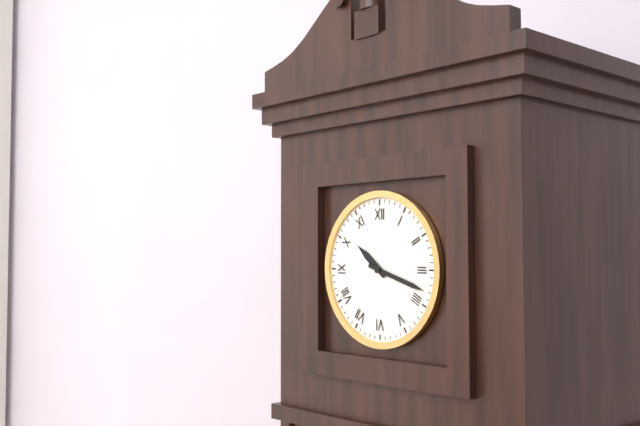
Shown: 10:18
